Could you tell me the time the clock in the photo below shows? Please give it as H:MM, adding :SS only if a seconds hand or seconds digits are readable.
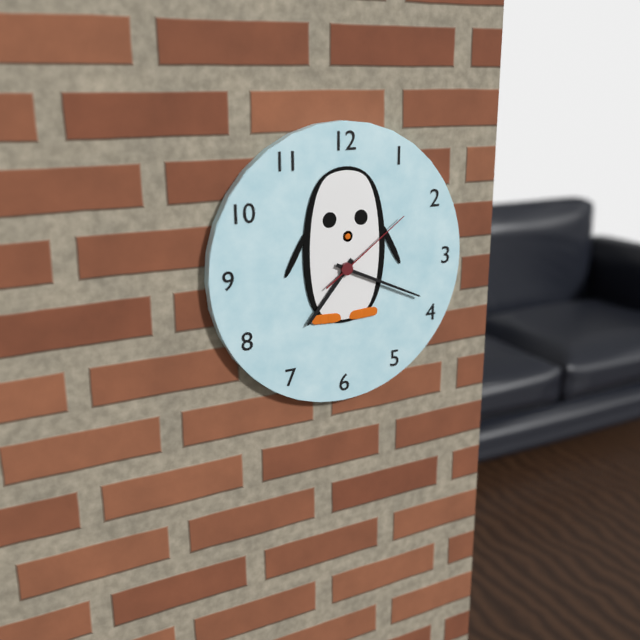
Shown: 7:19:09
